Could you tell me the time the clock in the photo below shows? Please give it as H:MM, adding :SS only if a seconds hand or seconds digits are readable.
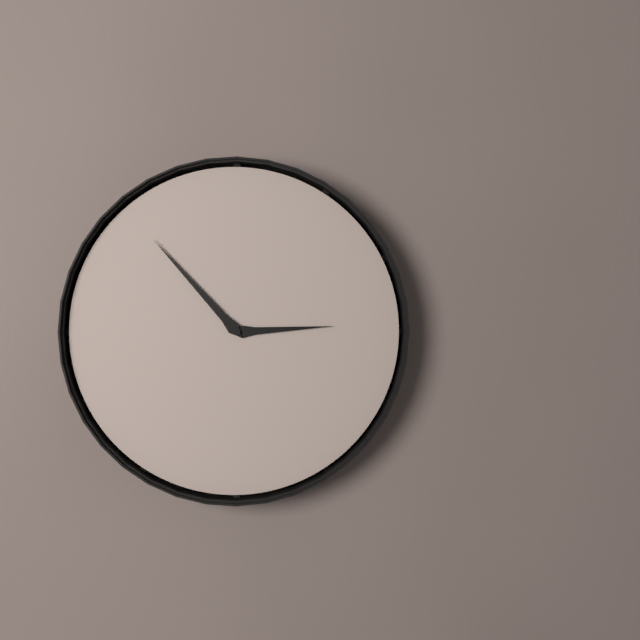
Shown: 2:53
